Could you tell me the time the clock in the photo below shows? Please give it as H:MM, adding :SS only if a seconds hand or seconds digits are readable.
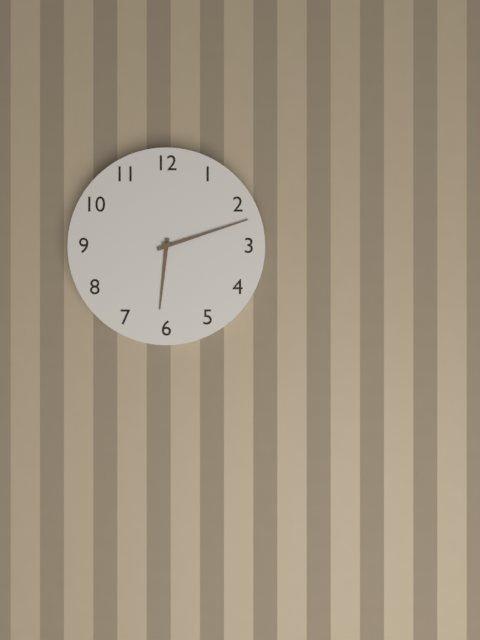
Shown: 6:12
